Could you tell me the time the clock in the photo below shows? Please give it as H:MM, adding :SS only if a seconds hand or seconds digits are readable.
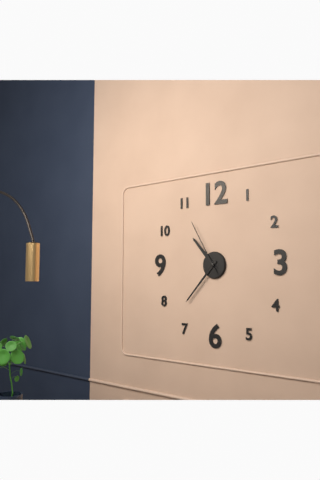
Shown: 10:37:55
